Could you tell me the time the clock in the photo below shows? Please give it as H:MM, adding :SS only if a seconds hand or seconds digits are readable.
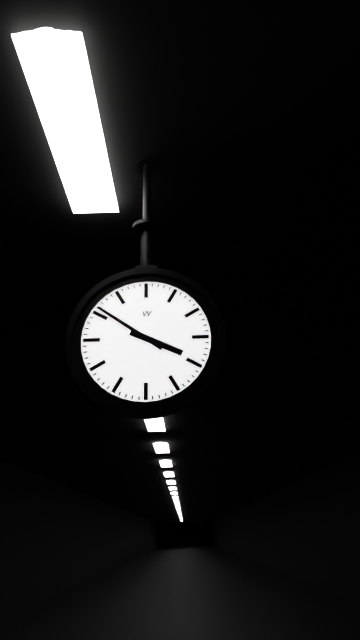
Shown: 3:51
